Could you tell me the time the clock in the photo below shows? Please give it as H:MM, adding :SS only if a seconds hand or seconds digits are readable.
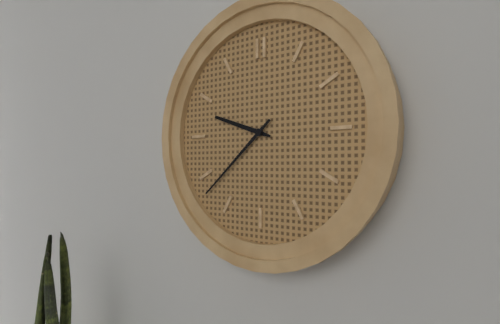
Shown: 9:38
